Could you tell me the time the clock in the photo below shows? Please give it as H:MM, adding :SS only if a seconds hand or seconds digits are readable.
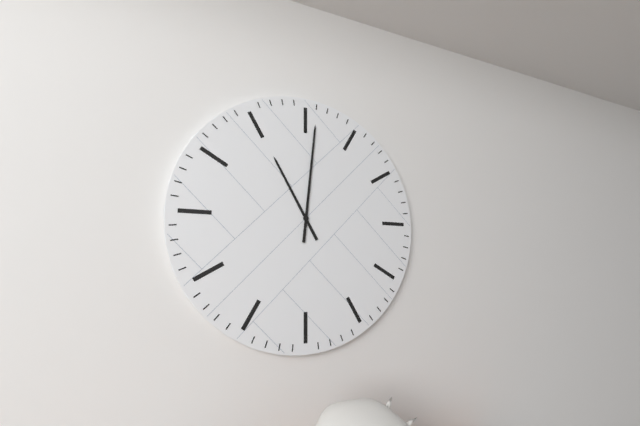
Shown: 11:01
